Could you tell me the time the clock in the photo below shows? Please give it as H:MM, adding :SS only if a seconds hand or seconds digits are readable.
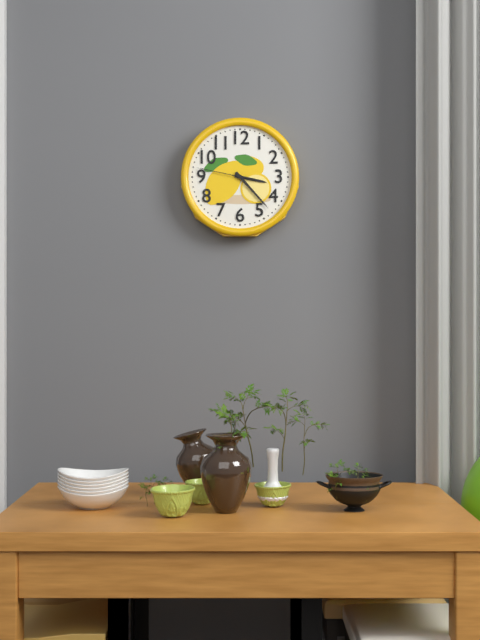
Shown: 3:23:47
